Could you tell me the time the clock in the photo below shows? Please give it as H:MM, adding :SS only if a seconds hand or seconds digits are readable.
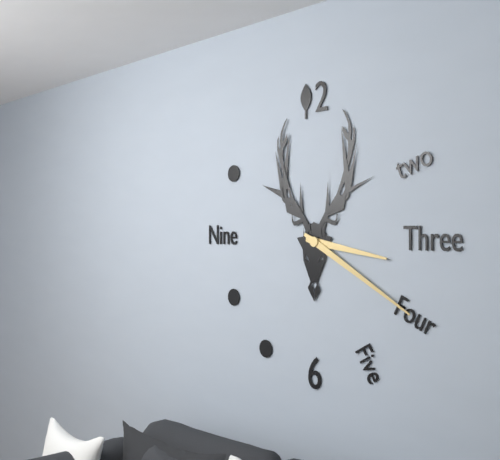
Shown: 3:20
